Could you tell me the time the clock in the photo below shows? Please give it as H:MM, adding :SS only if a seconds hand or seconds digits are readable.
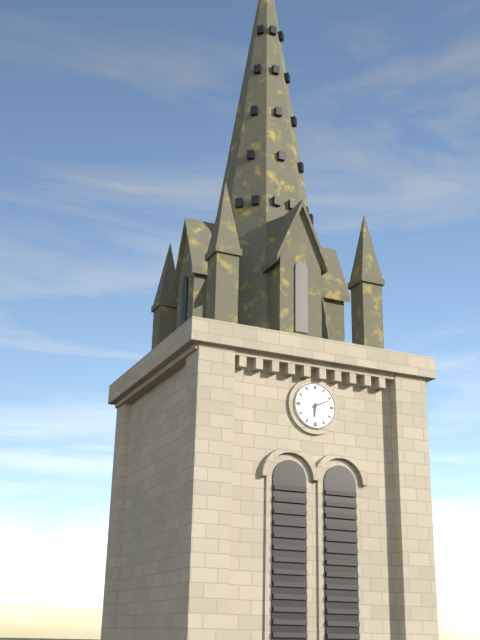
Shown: 6:11
